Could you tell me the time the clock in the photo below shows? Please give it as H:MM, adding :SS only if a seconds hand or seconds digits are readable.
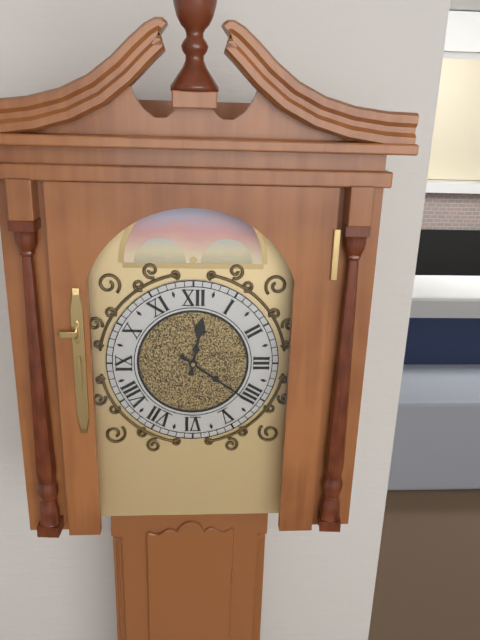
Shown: 12:21
